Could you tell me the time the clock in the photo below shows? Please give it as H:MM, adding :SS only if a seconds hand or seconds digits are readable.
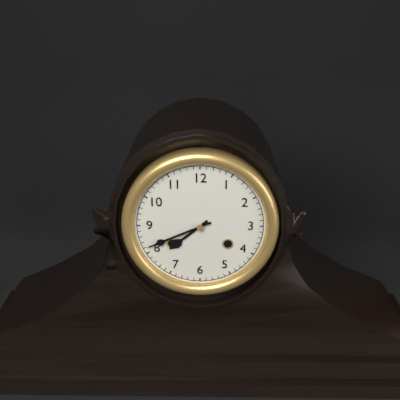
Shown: 7:41
